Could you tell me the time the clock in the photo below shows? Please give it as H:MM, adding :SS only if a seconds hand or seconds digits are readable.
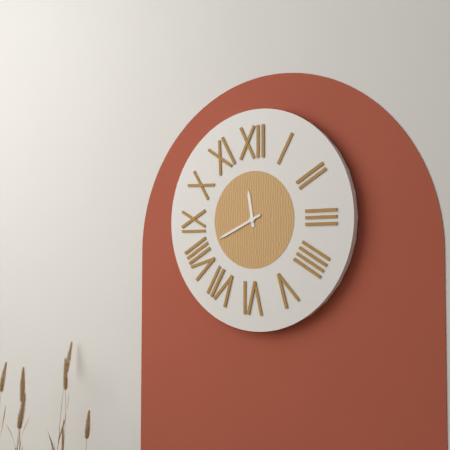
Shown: 11:41
